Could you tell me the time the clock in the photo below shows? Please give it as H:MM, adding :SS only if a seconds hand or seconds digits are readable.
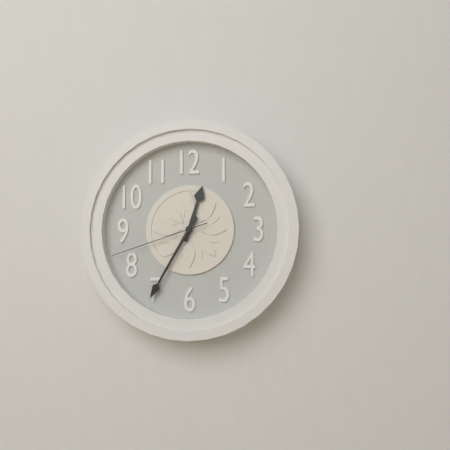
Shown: 12:35:42
